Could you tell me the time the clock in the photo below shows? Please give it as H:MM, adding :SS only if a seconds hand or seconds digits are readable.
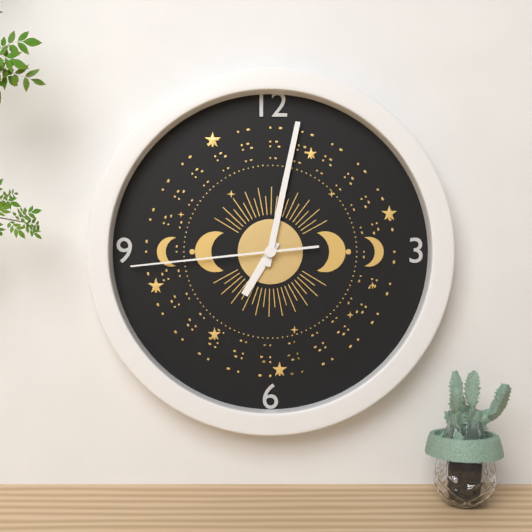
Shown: 7:02:44
